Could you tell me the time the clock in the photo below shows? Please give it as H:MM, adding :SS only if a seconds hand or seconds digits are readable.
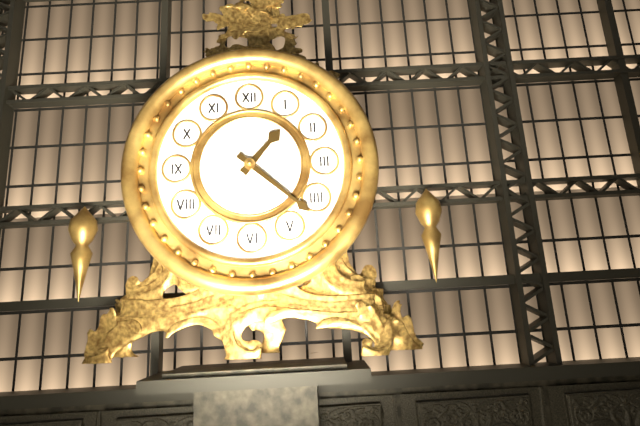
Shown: 1:22
